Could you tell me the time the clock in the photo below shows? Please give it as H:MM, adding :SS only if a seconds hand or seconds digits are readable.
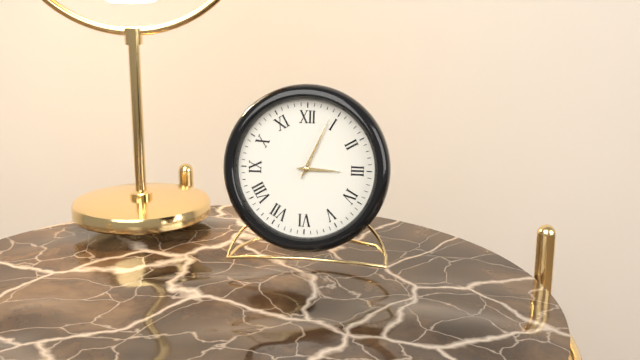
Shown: 3:04
